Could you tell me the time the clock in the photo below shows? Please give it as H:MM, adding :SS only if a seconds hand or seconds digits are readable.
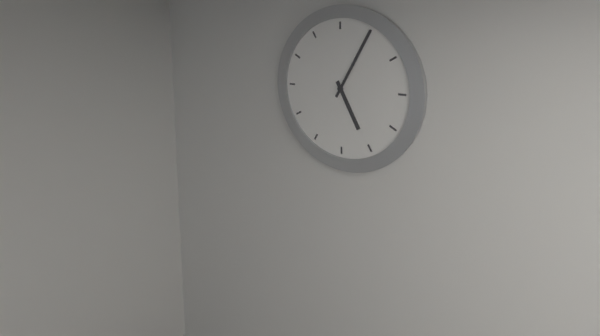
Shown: 5:05
